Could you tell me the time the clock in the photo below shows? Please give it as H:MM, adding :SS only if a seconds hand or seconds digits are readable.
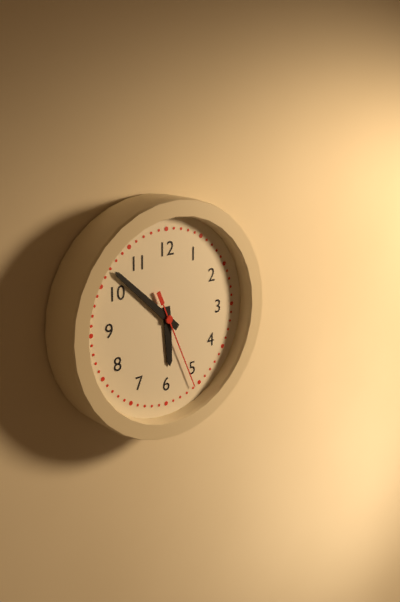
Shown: 5:52:26
